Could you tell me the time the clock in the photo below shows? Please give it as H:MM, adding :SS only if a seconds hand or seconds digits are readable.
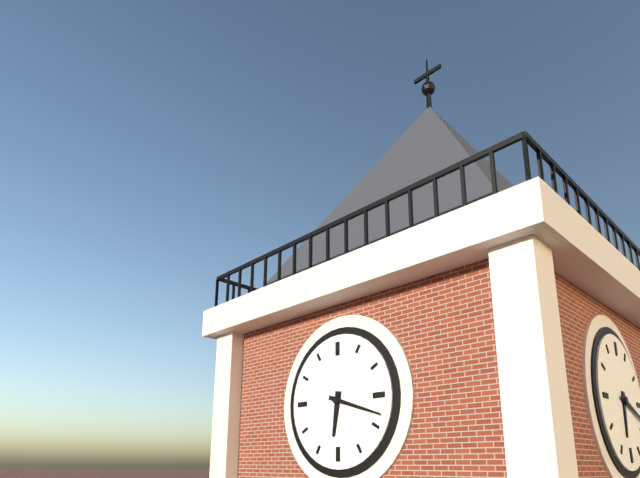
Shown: 6:18
